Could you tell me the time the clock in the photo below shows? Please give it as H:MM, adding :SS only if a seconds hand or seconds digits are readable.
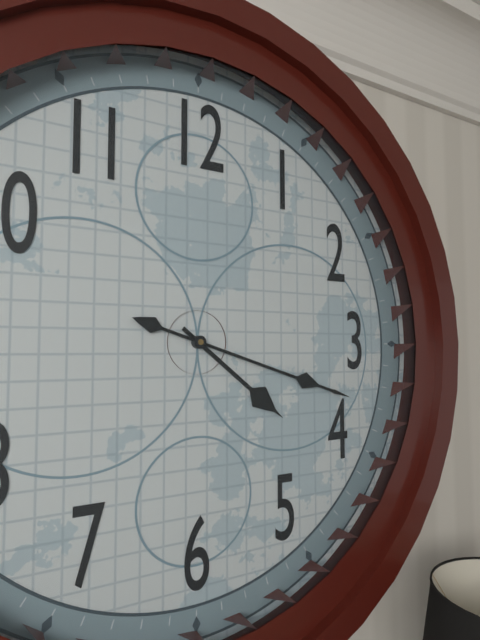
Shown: 4:18
